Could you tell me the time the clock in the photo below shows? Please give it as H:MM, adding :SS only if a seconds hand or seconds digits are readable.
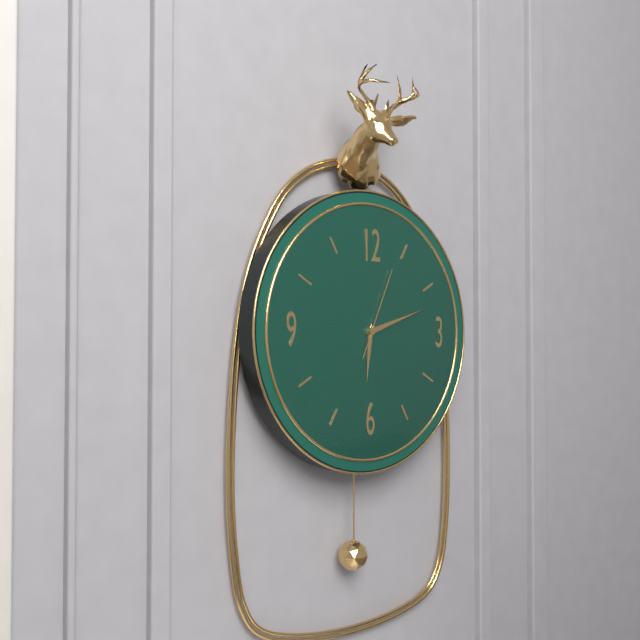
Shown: 6:12:04
